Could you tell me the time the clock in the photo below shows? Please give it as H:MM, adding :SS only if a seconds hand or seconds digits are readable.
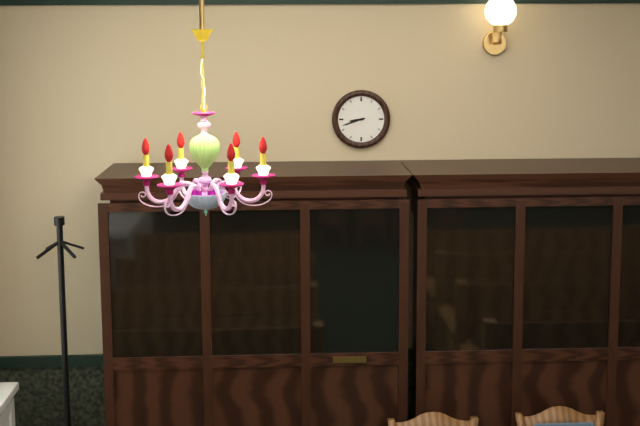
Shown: 8:42
